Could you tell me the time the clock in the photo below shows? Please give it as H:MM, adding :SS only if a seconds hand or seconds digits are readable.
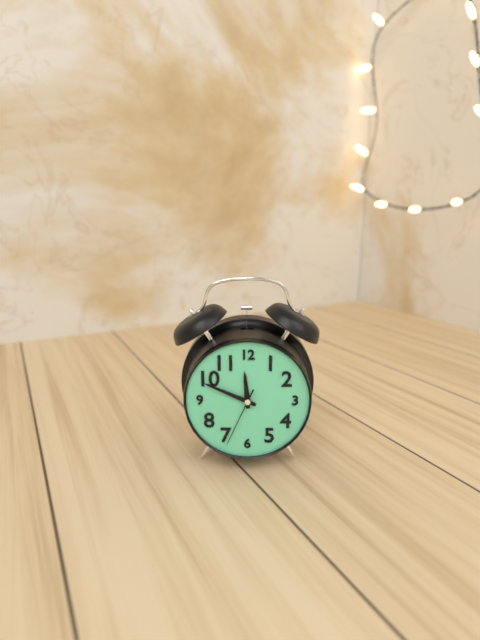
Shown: 11:49:34
